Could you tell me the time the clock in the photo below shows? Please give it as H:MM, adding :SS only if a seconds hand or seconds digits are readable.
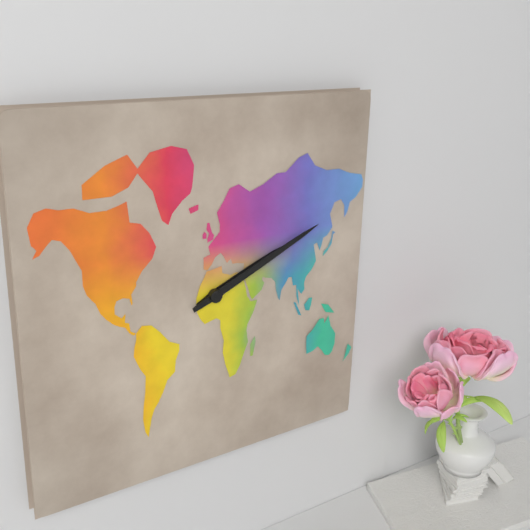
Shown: 2:11
